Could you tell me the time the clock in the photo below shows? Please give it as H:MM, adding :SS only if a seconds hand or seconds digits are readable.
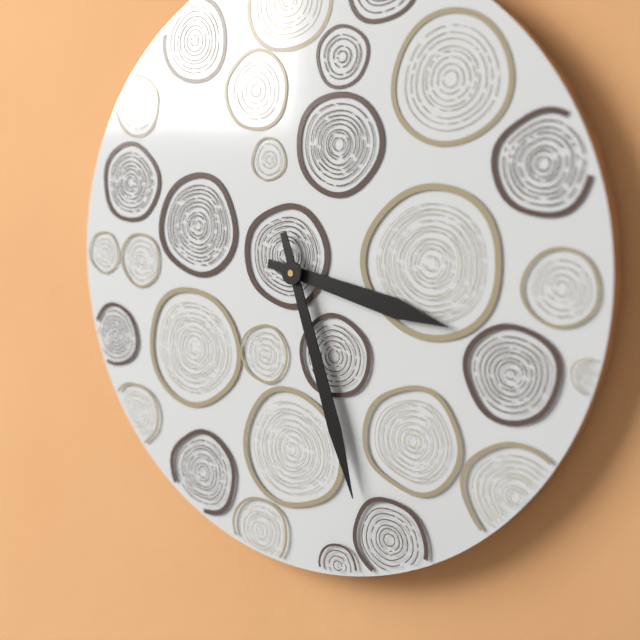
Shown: 3:27
